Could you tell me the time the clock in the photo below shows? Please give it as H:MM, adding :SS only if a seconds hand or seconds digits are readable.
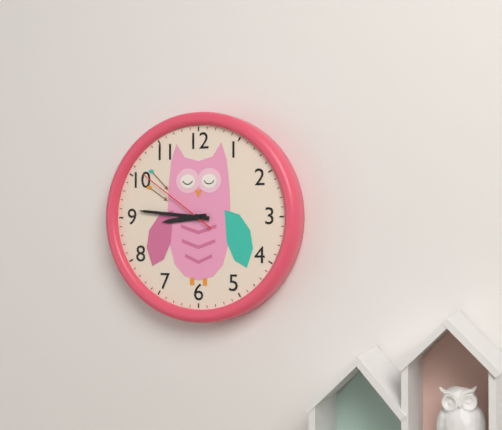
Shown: 8:46:51
